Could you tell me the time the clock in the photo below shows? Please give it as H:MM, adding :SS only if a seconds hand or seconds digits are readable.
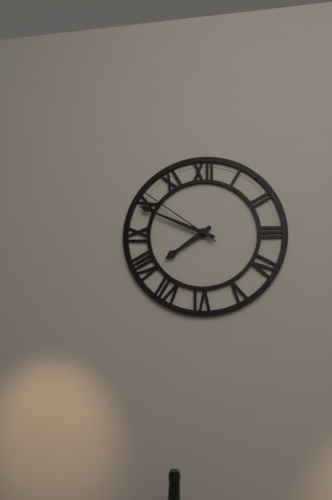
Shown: 7:49:51
